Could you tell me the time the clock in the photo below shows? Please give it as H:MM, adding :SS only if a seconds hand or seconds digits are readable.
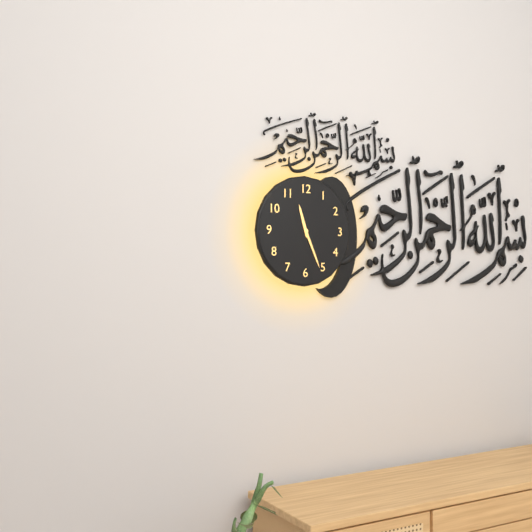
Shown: 11:26
